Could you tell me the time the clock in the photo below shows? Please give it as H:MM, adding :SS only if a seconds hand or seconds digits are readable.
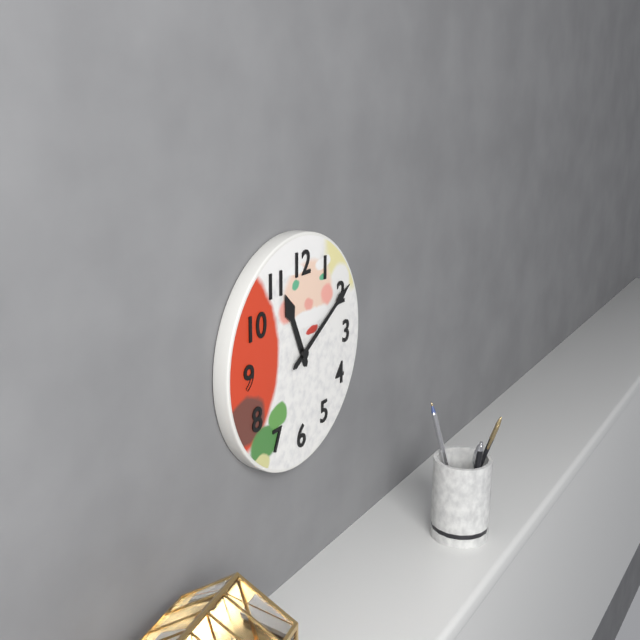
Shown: 11:10
